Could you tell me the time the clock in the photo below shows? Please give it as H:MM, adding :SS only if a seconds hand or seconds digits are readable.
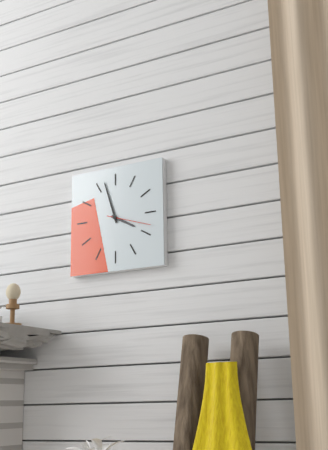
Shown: 3:57
